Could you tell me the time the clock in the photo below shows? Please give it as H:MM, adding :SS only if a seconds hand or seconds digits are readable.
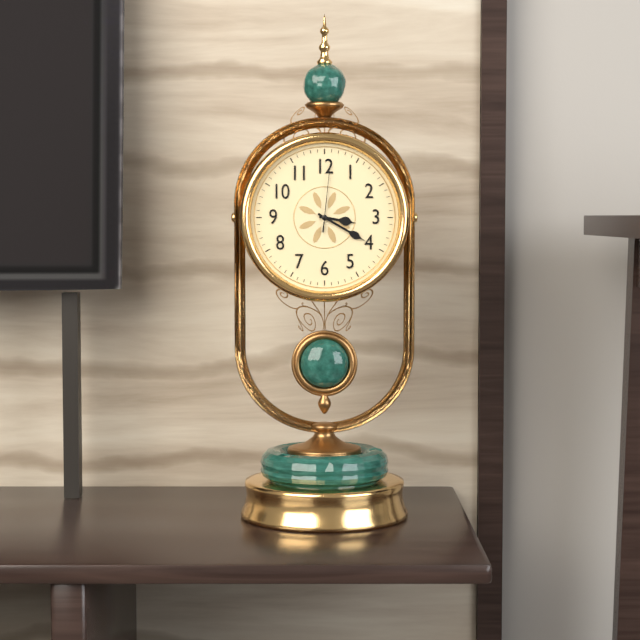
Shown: 3:20:01
